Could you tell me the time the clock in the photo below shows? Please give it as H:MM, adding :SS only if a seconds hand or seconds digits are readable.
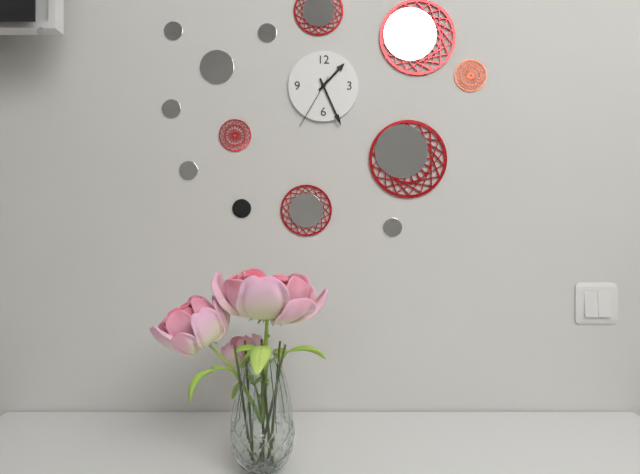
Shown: 1:26:35
